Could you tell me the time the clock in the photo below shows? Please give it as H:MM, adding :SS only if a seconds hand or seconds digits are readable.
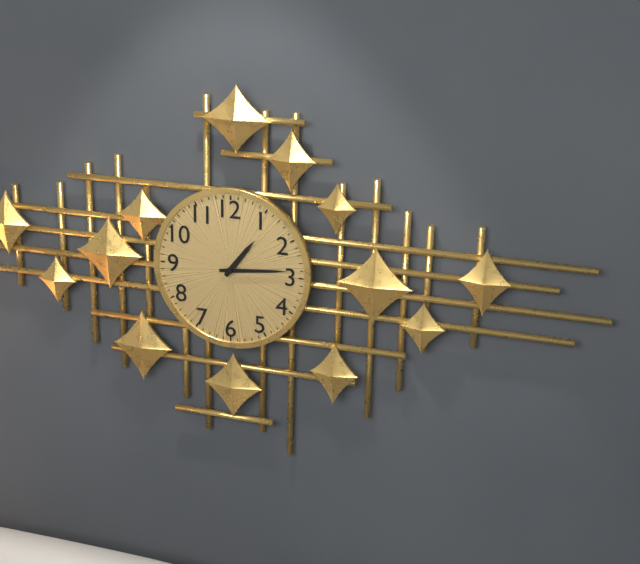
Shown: 1:14
